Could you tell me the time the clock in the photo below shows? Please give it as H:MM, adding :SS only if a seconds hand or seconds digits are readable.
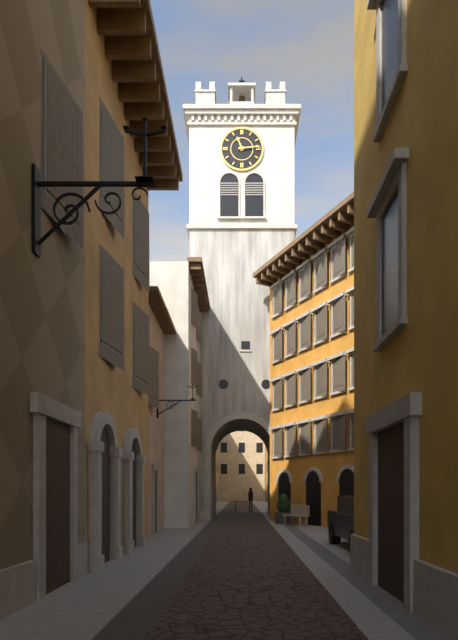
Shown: 11:14
